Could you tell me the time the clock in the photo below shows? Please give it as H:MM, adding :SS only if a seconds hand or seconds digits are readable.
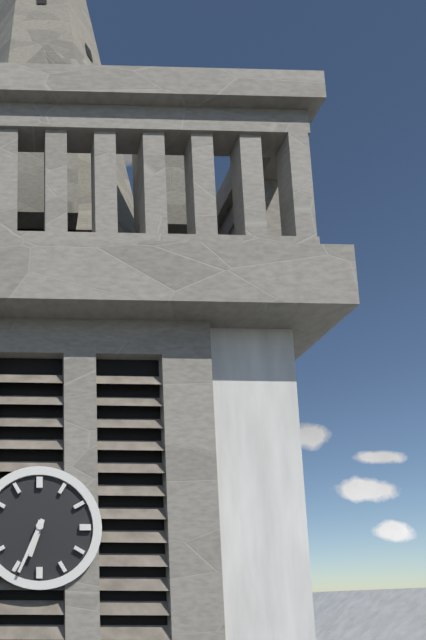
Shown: 6:34
